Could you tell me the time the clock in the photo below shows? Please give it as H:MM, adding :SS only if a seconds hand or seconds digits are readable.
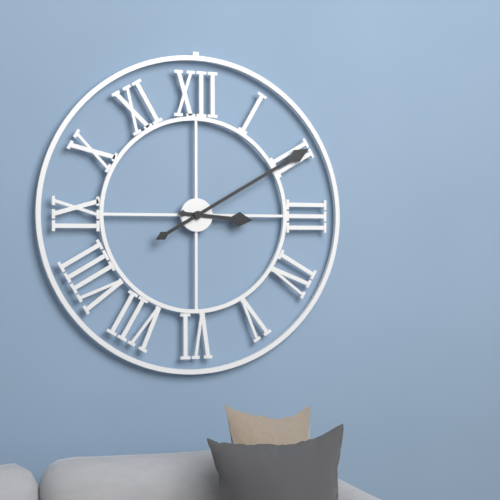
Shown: 3:10
